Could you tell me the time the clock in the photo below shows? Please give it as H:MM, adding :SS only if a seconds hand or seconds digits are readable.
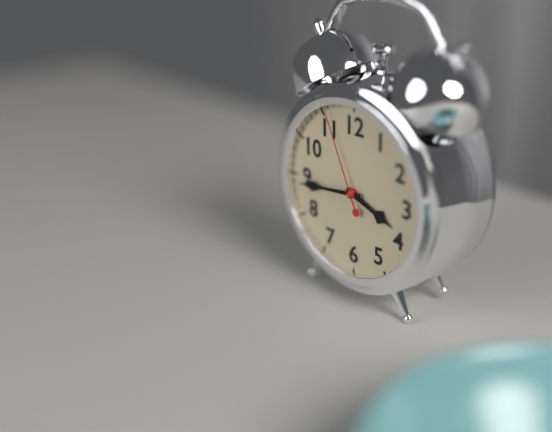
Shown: 3:44:56
